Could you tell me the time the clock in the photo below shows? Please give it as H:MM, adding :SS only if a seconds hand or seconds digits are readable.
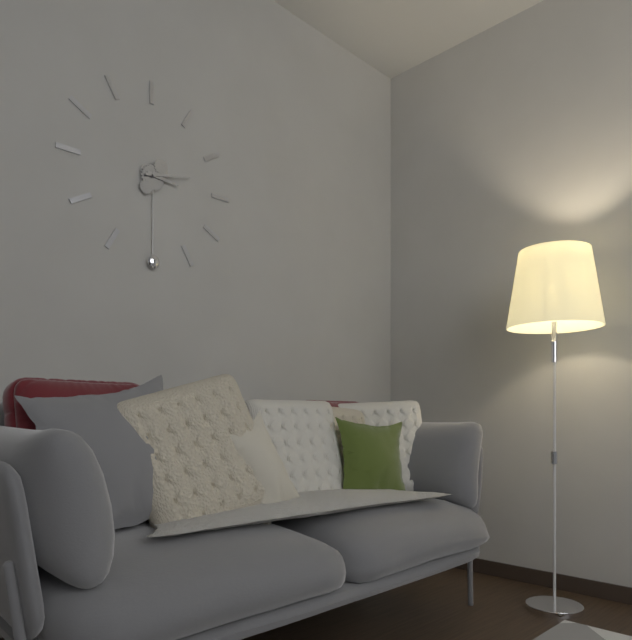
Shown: 3:13
